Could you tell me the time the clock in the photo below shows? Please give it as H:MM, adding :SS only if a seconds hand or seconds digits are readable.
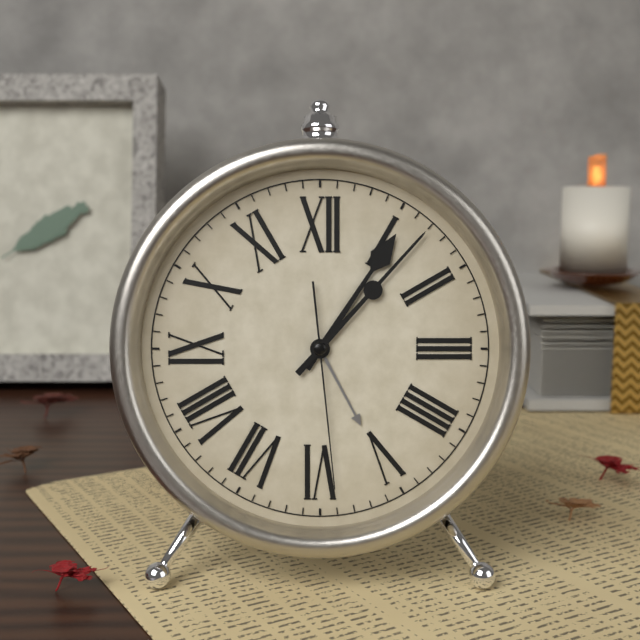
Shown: 1:07:29
